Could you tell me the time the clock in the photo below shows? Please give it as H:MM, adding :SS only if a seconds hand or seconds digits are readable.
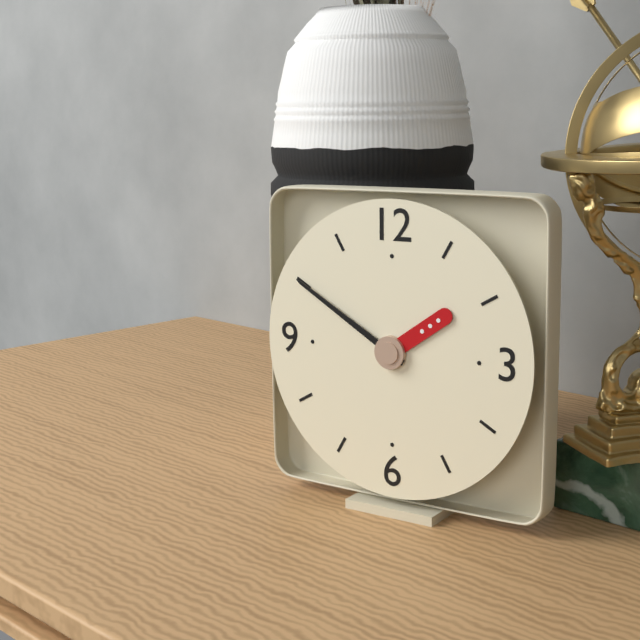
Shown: 1:50
